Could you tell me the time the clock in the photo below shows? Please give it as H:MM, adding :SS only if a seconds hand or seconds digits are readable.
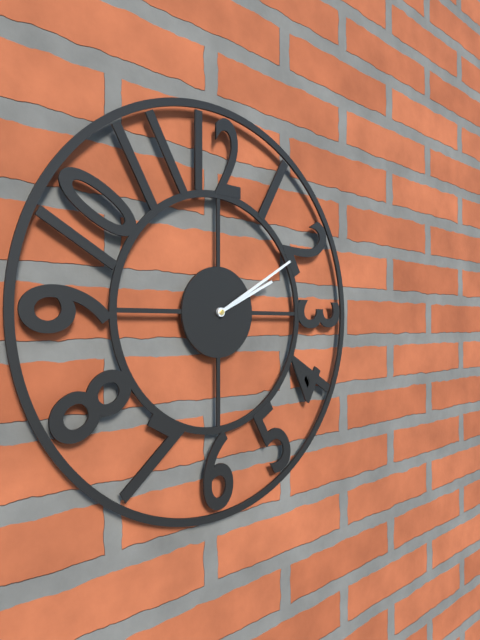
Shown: 2:10
